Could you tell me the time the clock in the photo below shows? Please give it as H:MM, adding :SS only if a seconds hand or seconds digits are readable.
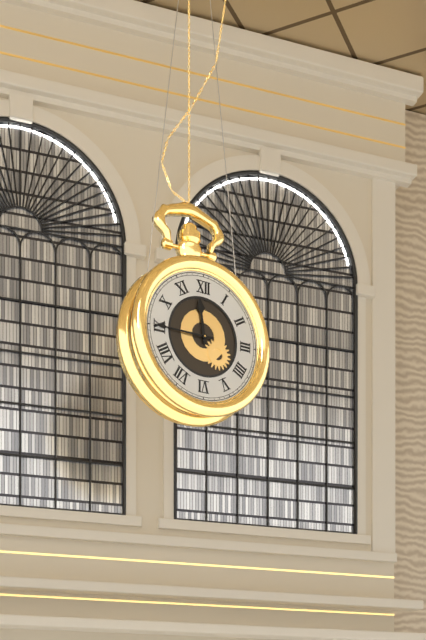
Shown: 11:45
